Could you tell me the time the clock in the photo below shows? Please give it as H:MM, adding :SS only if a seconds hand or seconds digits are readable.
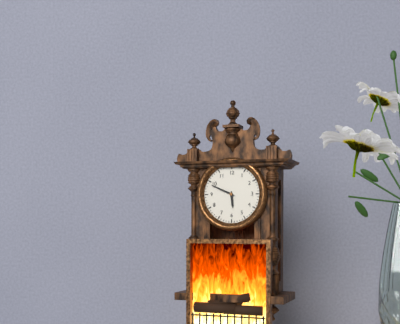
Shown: 5:49
